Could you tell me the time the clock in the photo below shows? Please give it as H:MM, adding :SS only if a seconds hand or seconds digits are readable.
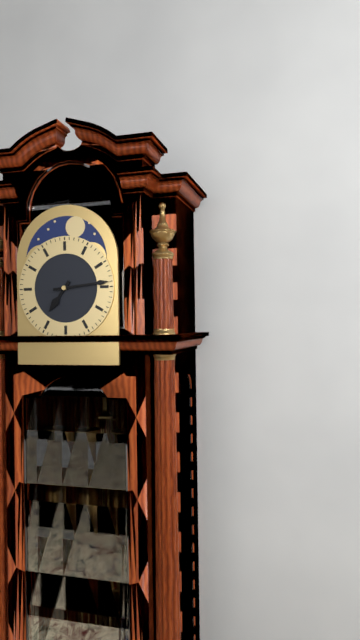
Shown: 7:14
